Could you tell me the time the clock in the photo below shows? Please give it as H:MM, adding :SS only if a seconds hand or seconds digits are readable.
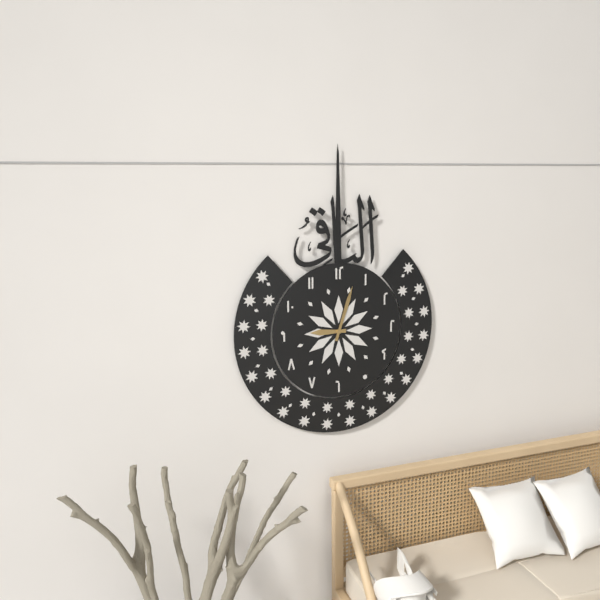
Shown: 9:03
